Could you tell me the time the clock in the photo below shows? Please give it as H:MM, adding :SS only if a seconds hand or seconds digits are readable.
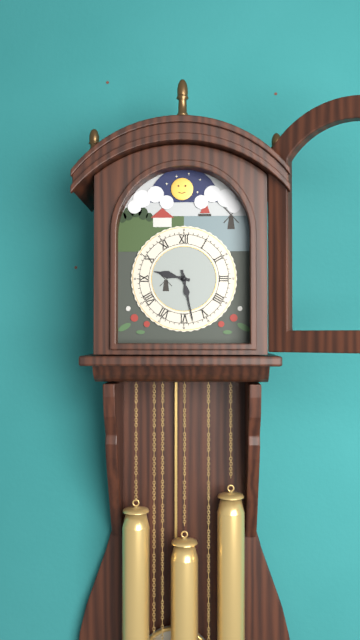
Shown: 9:28
